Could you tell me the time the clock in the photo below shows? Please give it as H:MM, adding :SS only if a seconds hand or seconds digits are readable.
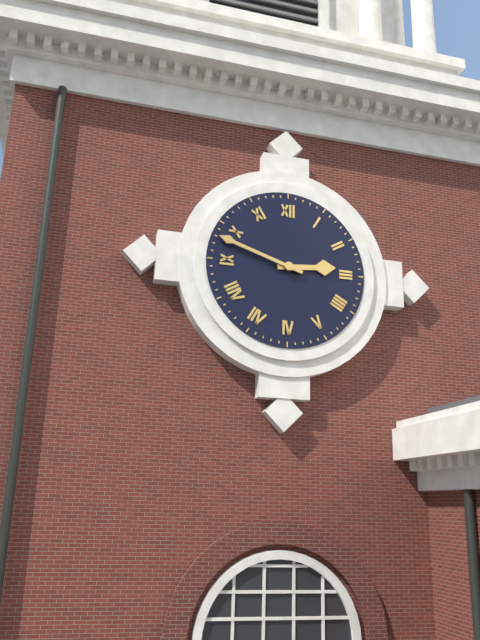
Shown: 2:48
